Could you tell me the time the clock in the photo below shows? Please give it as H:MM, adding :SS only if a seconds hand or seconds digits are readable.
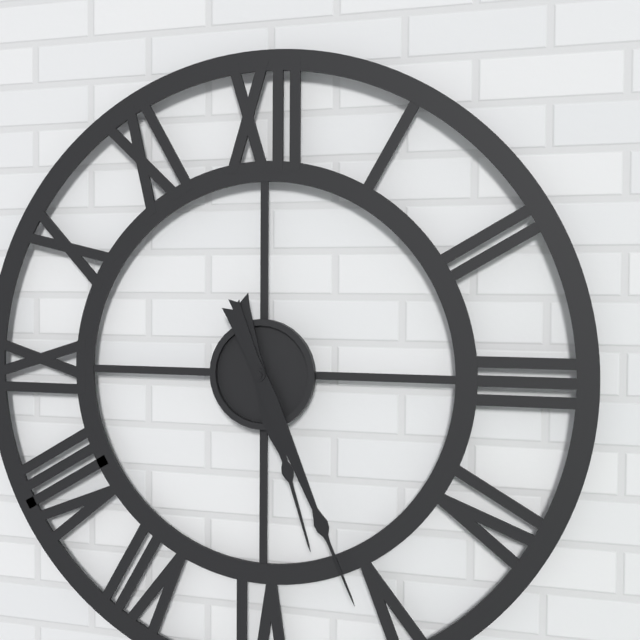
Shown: 5:26
